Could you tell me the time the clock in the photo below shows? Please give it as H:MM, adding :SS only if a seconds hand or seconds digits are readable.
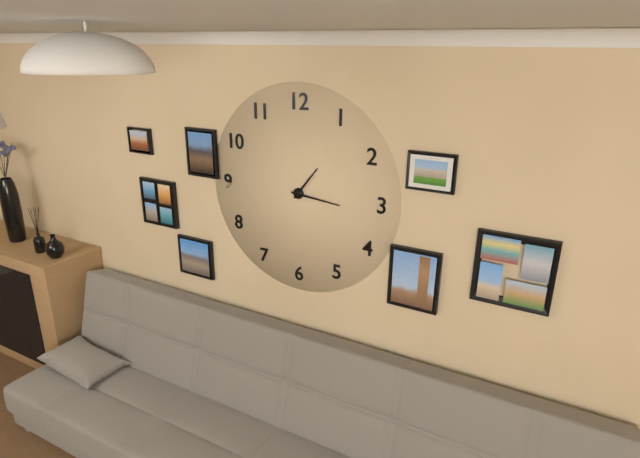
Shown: 1:16
